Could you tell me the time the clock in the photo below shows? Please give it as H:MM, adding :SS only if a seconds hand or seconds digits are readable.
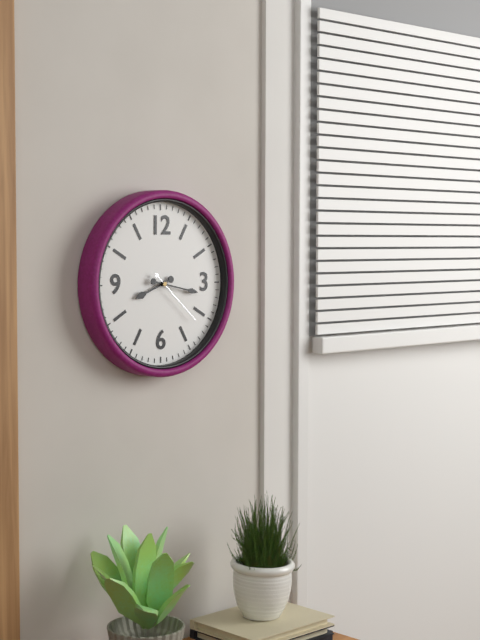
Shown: 8:17:22
